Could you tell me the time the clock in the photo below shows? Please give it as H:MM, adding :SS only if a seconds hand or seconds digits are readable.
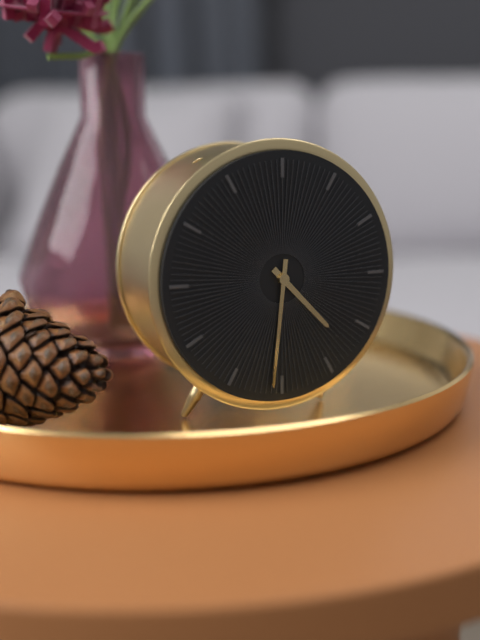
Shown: 4:31
